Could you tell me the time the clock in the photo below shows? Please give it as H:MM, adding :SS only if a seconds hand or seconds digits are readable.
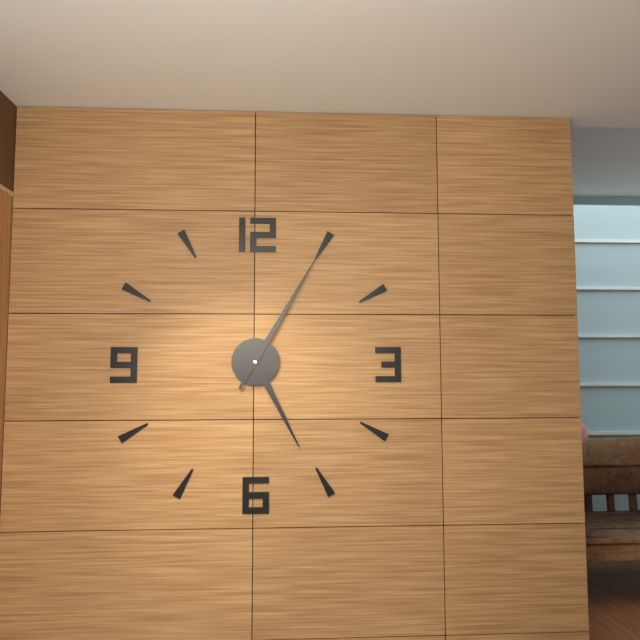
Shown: 5:05
